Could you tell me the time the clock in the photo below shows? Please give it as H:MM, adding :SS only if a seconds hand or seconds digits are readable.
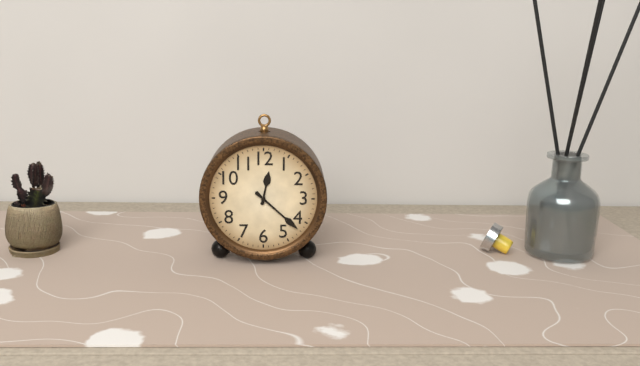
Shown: 12:22
